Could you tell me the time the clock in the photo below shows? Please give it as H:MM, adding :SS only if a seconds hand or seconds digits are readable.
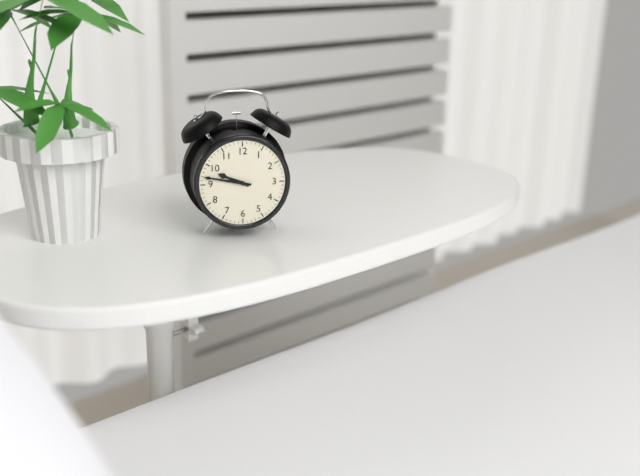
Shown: 9:47
